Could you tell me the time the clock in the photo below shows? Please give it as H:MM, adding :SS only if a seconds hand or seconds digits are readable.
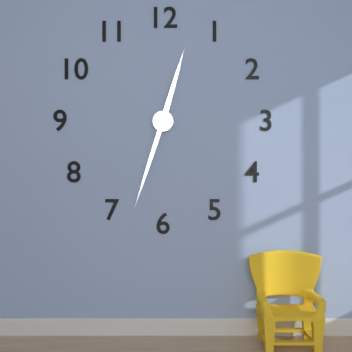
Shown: 12:33
